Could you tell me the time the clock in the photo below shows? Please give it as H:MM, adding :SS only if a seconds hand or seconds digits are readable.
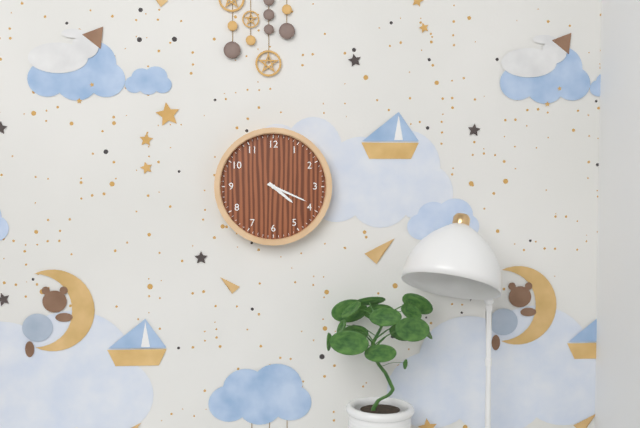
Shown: 4:19
